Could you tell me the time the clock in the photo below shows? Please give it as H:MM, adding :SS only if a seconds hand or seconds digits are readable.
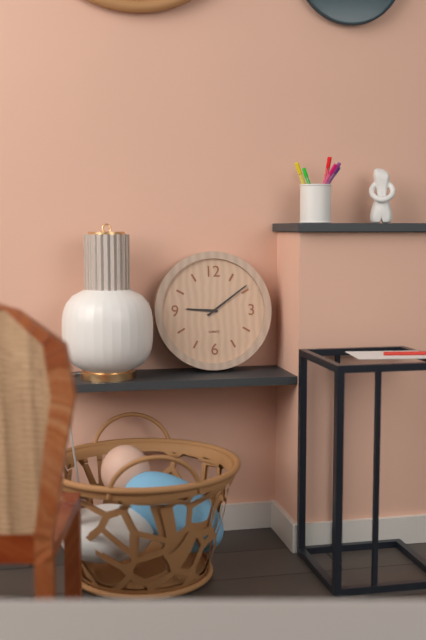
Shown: 9:09
